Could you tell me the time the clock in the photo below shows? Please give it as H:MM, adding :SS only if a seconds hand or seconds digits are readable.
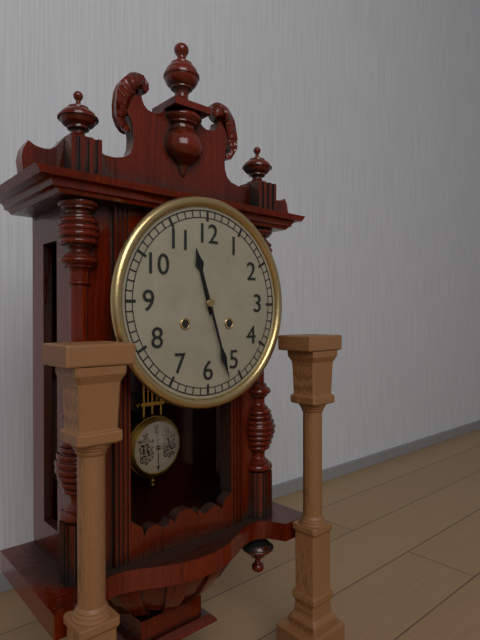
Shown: 11:27
